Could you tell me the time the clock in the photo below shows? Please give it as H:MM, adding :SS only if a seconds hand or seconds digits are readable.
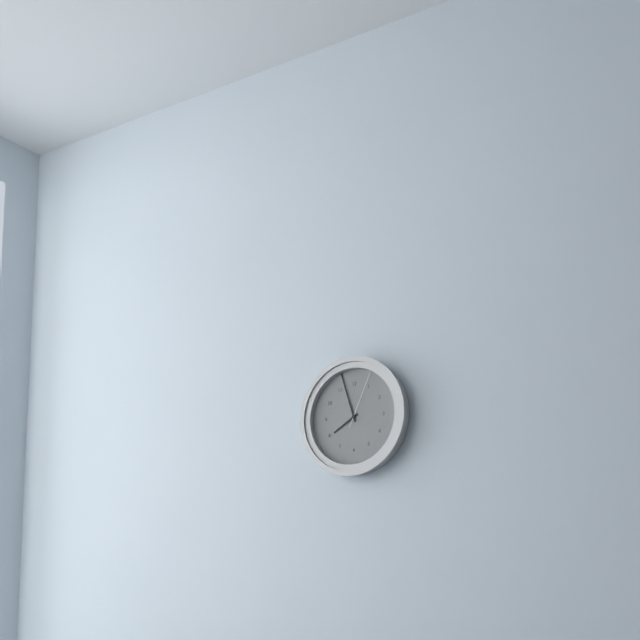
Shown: 7:57:04
